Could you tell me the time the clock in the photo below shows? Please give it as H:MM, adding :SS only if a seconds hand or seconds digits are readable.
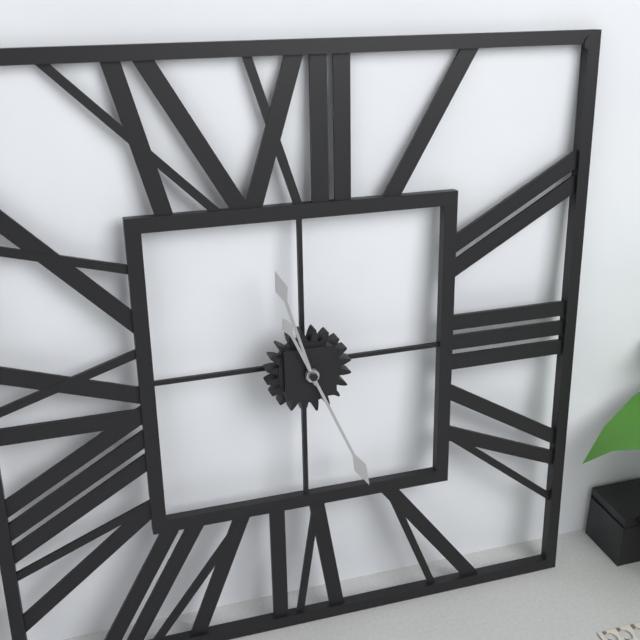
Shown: 11:26
